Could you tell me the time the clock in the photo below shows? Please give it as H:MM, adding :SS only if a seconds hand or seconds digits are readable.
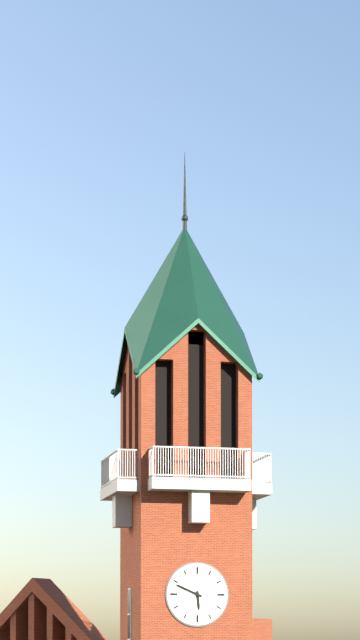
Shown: 5:49
